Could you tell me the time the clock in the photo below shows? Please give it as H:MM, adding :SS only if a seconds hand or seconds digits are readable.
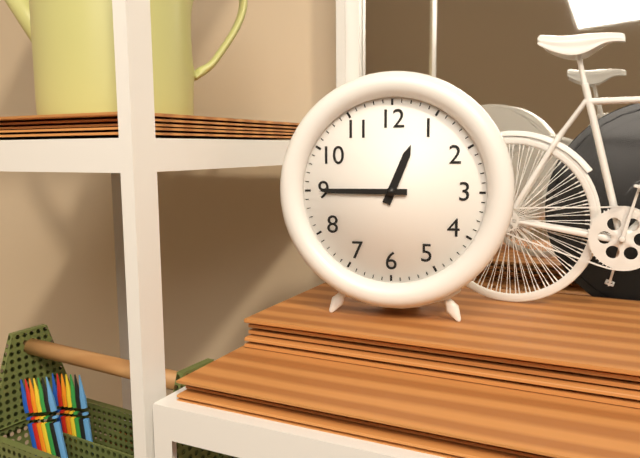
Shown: 12:45
